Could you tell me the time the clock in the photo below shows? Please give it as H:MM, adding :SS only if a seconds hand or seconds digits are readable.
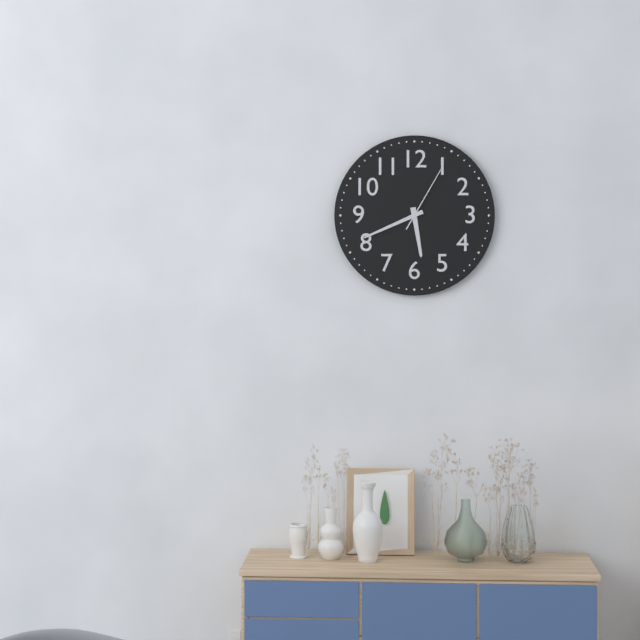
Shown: 5:41:05
